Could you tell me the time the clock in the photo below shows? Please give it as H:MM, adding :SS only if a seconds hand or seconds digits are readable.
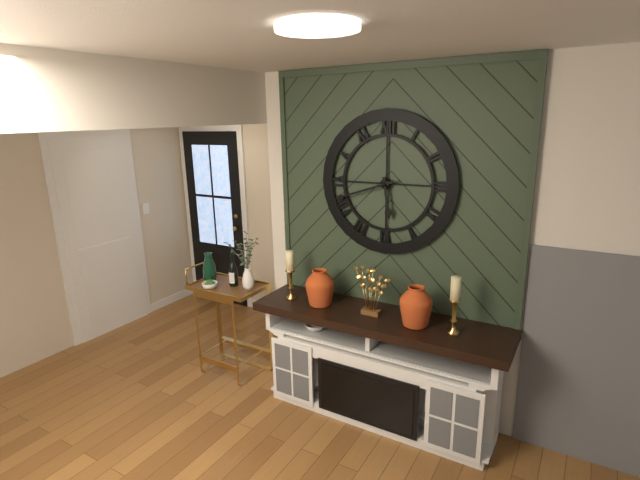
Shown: 5:42
